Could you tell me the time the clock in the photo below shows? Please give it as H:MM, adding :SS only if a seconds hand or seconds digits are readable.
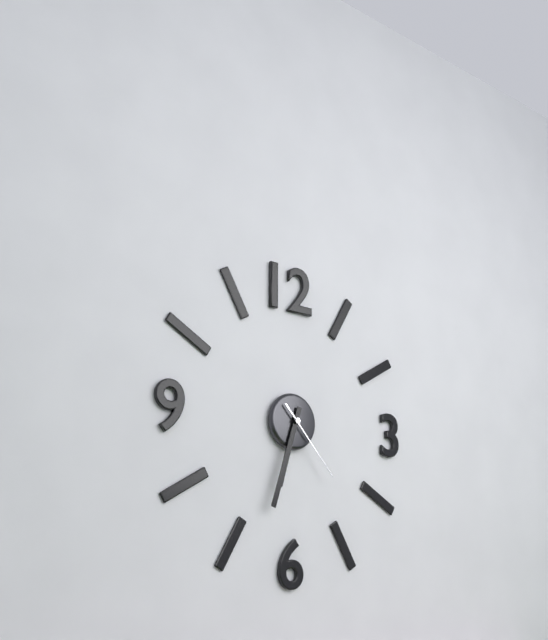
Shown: 6:33:23
